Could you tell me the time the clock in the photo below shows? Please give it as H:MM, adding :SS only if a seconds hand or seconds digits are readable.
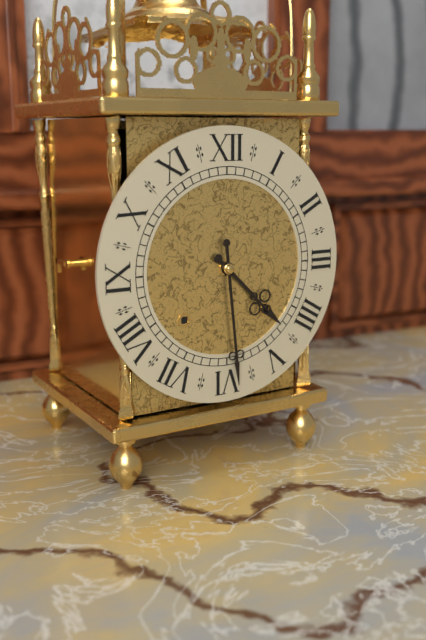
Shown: 4:29
